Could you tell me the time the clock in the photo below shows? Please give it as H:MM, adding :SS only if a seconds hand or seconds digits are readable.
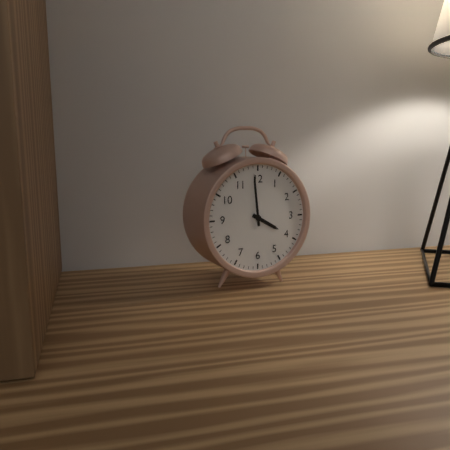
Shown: 3:59
